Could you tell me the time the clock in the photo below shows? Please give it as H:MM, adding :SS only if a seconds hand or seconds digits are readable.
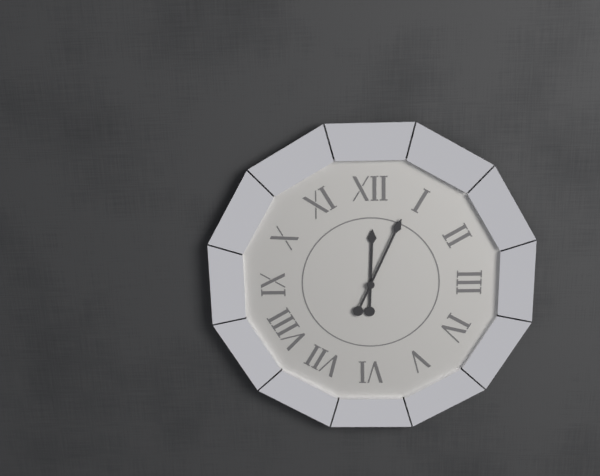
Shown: 12:04
